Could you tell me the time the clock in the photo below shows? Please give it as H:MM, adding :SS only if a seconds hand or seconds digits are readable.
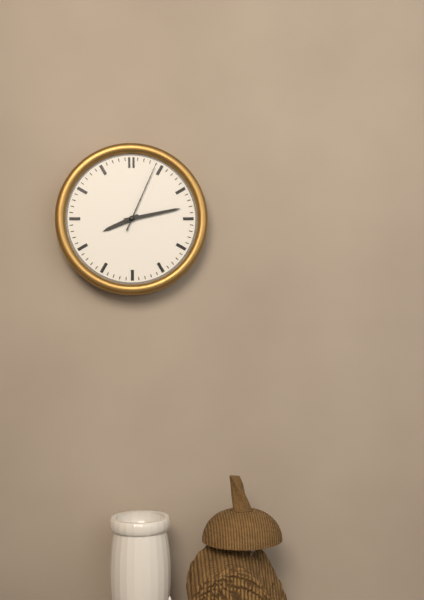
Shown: 8:13:04
